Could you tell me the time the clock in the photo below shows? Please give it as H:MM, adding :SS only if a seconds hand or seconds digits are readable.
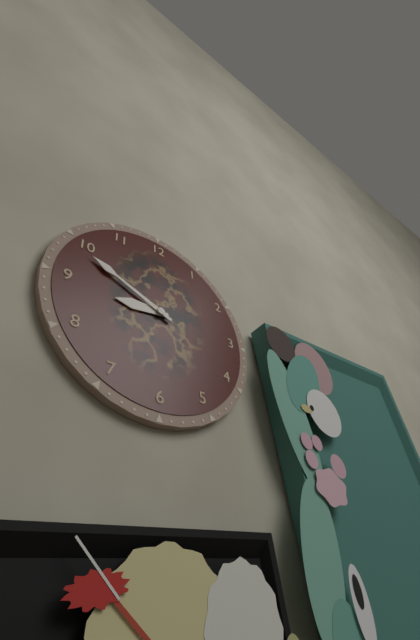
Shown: 8:49
